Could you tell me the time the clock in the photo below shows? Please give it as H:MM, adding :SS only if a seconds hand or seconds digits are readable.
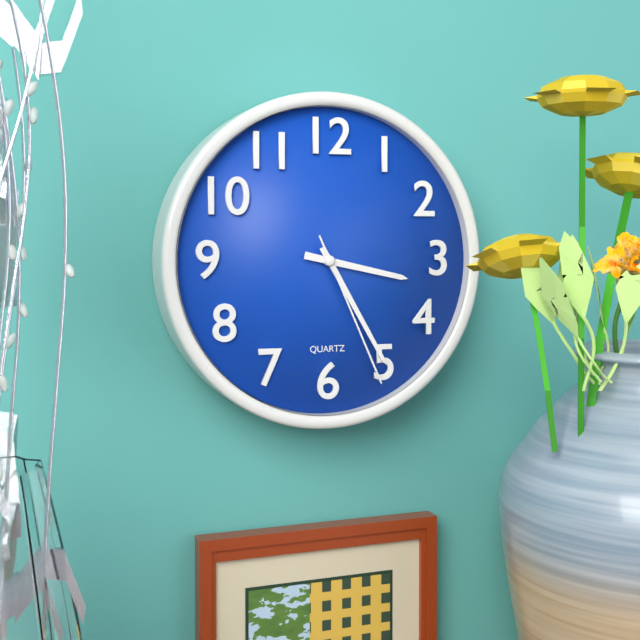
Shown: 3:25:26
